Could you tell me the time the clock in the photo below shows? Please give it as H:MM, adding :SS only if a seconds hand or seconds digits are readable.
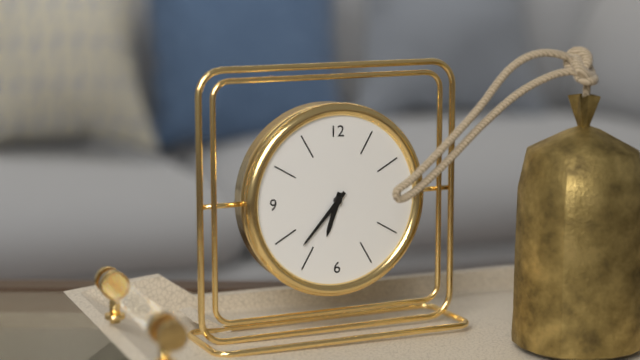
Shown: 6:37
